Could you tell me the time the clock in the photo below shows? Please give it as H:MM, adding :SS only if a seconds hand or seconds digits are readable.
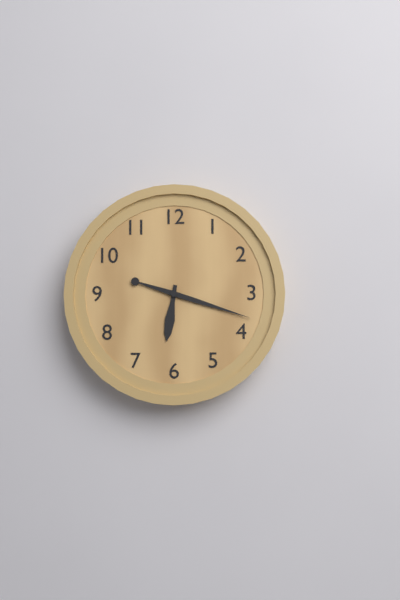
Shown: 6:18
